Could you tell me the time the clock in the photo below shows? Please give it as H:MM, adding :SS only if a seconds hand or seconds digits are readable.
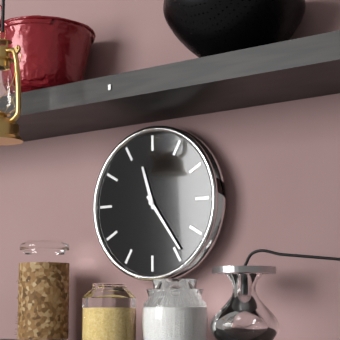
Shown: 11:24
